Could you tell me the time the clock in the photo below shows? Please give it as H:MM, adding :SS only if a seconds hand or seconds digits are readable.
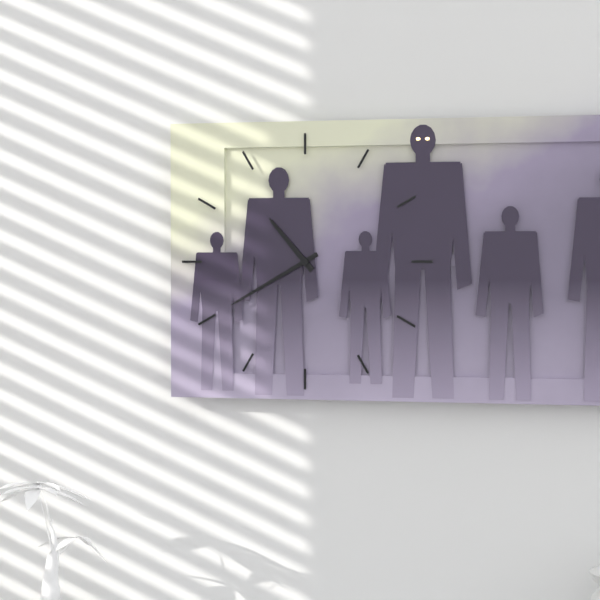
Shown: 10:40
